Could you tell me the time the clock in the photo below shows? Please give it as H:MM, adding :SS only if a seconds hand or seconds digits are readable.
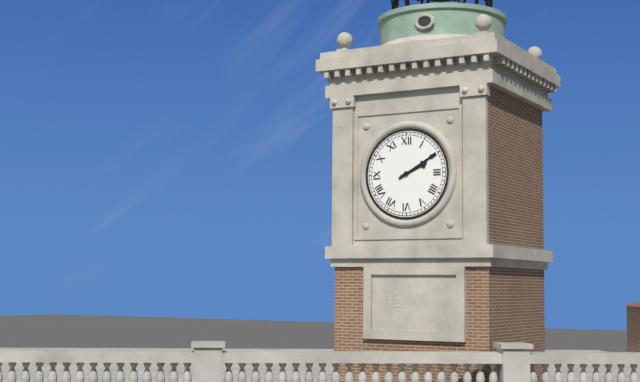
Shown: 2:10
